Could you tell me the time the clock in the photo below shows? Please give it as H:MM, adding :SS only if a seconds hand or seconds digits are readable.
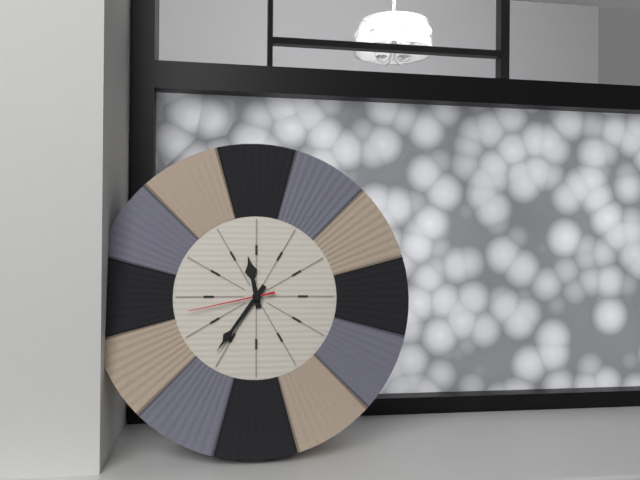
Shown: 11:36:43
